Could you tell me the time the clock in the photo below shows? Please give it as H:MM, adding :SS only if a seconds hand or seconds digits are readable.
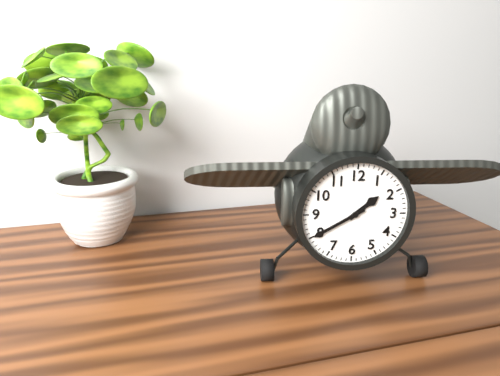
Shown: 1:40
